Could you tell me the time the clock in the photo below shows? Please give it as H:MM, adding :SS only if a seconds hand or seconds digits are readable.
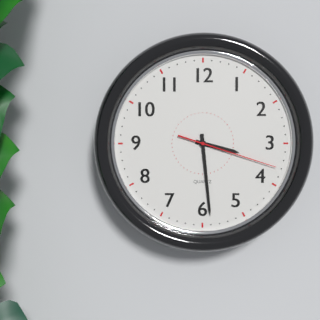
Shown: 3:29:18
